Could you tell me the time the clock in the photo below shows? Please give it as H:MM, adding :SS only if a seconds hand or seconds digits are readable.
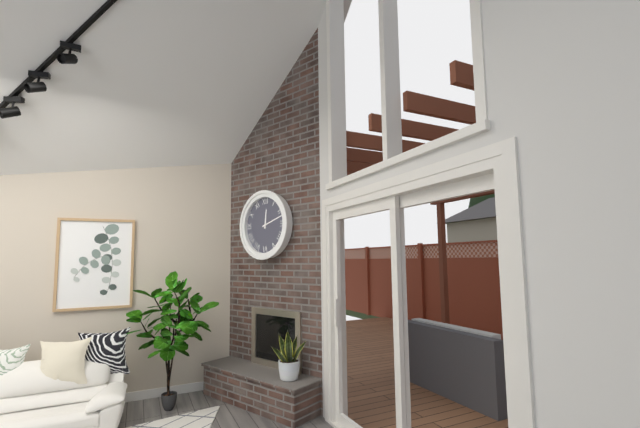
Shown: 12:12
